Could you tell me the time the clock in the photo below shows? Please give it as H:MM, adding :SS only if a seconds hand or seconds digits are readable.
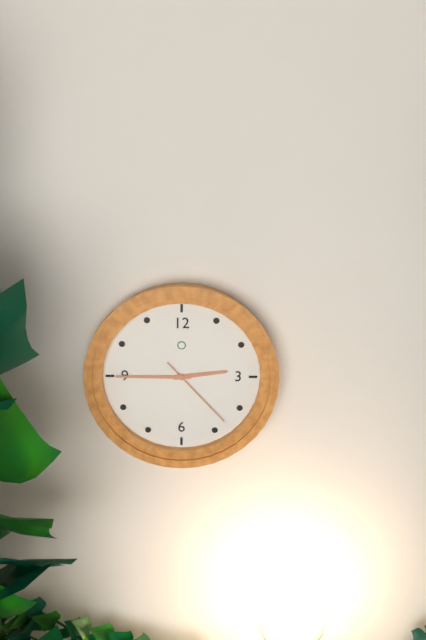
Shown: 2:45:23
